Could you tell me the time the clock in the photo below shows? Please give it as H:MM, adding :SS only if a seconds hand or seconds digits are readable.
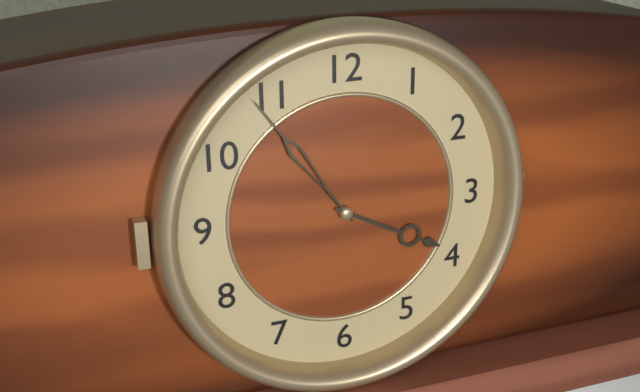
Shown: 3:54
